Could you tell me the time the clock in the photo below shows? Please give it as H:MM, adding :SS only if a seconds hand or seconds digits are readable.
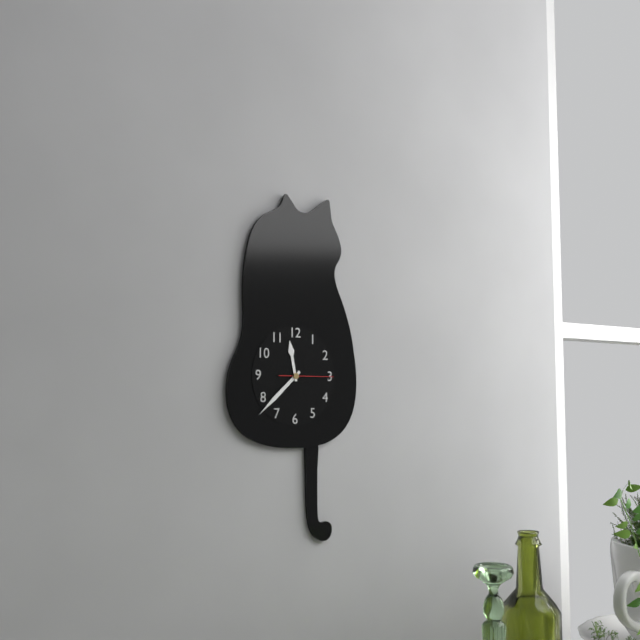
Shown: 11:38
